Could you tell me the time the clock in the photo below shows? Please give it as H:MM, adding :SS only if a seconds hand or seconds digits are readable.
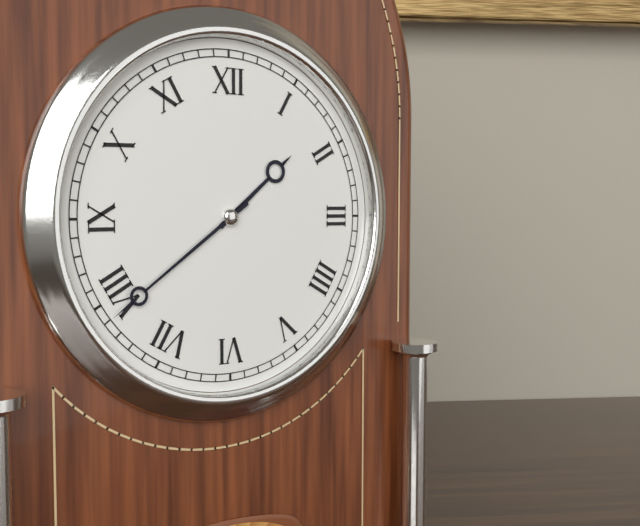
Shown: 1:39
